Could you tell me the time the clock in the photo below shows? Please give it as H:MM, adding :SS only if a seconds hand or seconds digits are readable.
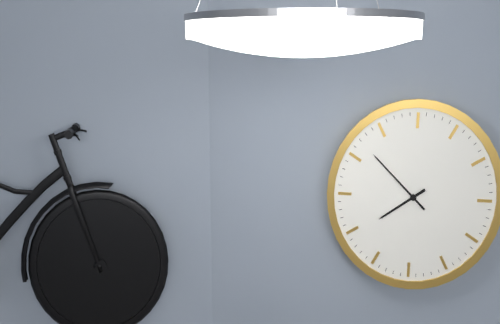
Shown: 7:52
